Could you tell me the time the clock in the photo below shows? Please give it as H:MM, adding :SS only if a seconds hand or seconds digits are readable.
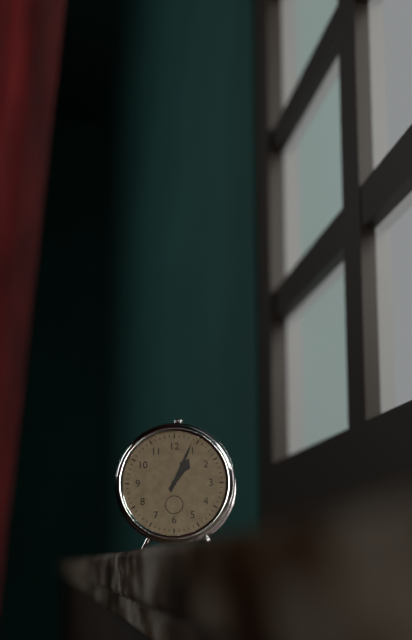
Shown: 1:04
